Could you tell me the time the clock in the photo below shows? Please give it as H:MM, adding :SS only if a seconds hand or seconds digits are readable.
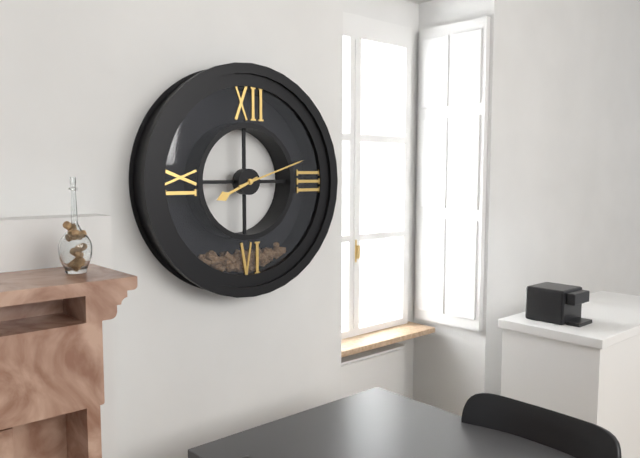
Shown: 8:12
